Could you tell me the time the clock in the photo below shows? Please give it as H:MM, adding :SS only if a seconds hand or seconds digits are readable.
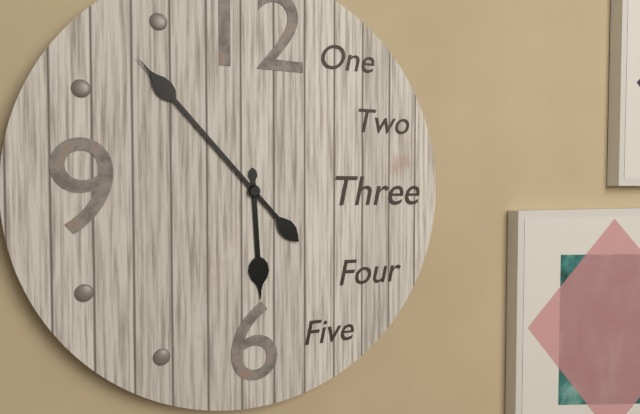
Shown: 5:53
